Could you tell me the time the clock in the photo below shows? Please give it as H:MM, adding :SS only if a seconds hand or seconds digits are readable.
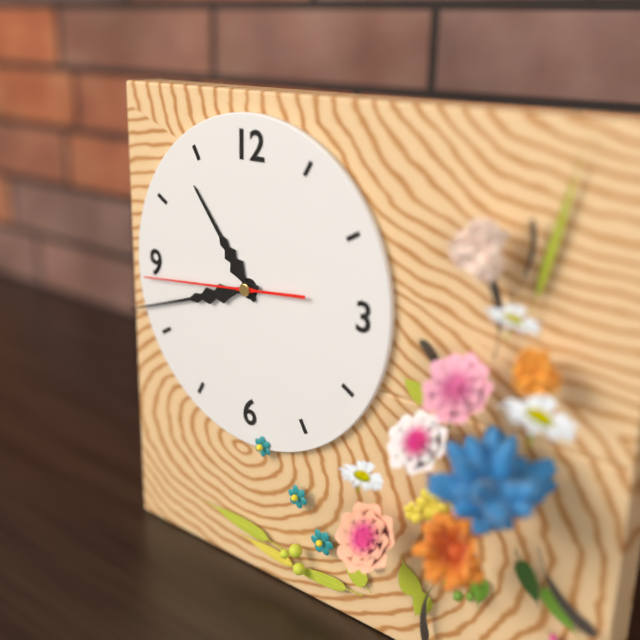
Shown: 10:42:44
